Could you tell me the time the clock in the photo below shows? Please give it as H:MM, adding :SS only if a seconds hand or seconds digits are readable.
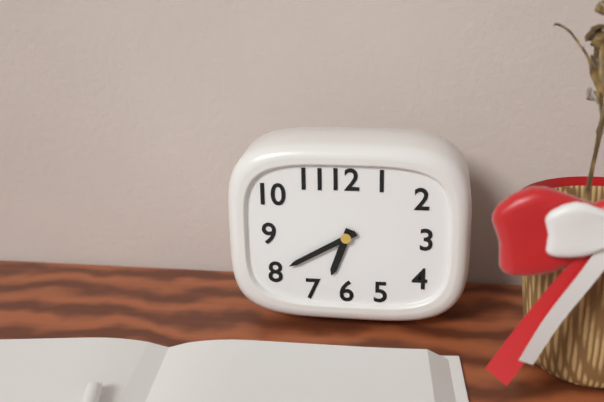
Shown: 6:40
